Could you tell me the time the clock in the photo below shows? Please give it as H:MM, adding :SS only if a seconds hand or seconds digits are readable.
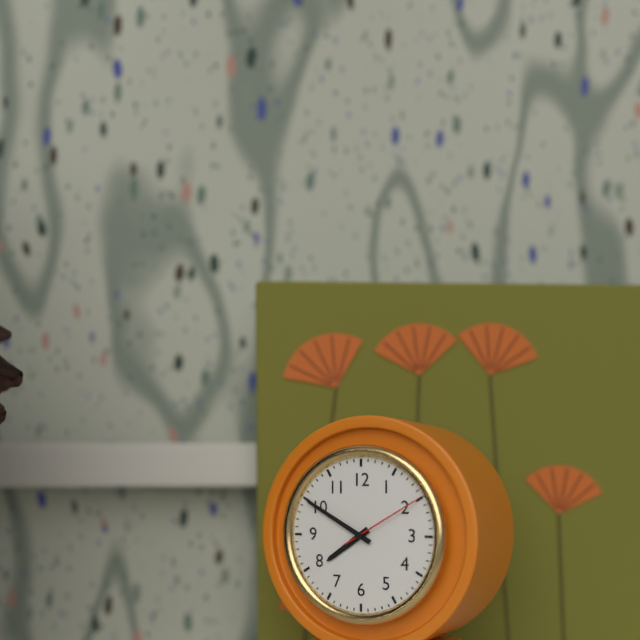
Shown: 7:50:10
